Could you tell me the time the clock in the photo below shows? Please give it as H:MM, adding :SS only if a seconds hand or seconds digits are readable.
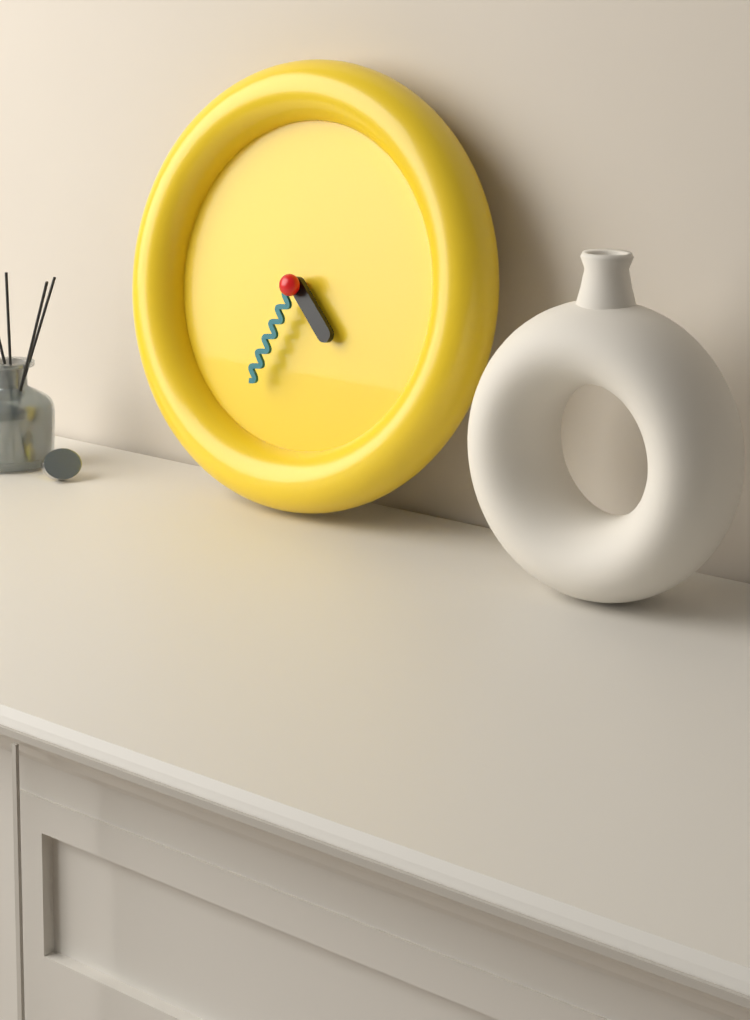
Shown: 4:34
